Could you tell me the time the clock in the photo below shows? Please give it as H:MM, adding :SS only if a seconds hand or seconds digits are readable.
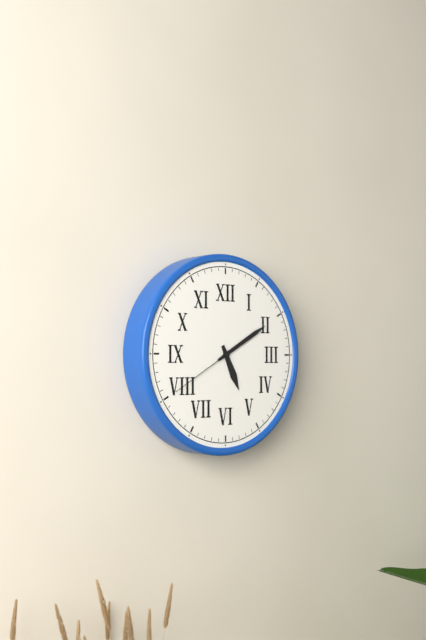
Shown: 5:10:40
